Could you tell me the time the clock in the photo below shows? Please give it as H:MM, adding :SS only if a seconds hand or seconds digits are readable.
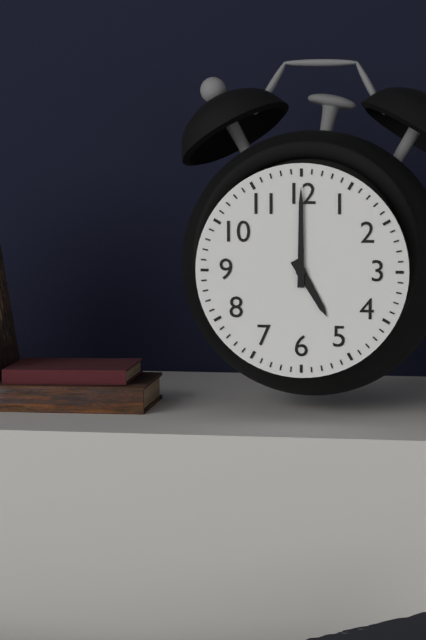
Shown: 5:00
